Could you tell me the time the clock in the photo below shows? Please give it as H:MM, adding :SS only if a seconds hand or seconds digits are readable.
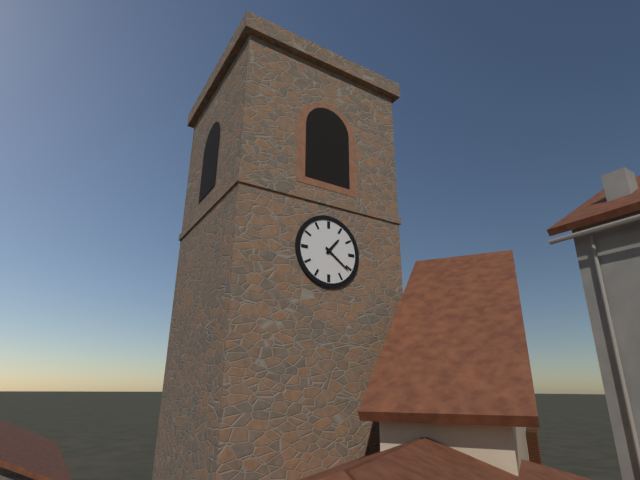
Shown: 1:21
